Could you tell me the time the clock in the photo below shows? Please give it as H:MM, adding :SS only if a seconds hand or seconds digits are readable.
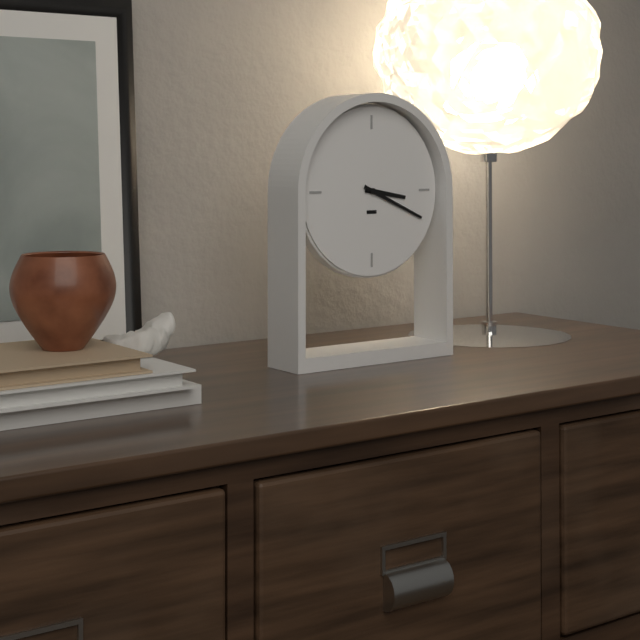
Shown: 3:19
